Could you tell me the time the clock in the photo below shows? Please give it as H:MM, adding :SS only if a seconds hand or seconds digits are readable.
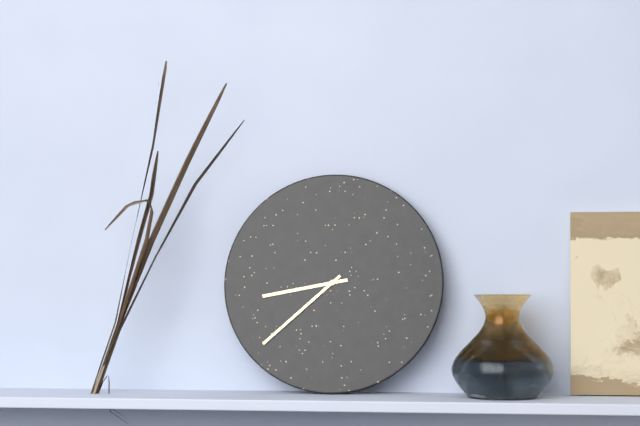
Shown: 8:38
